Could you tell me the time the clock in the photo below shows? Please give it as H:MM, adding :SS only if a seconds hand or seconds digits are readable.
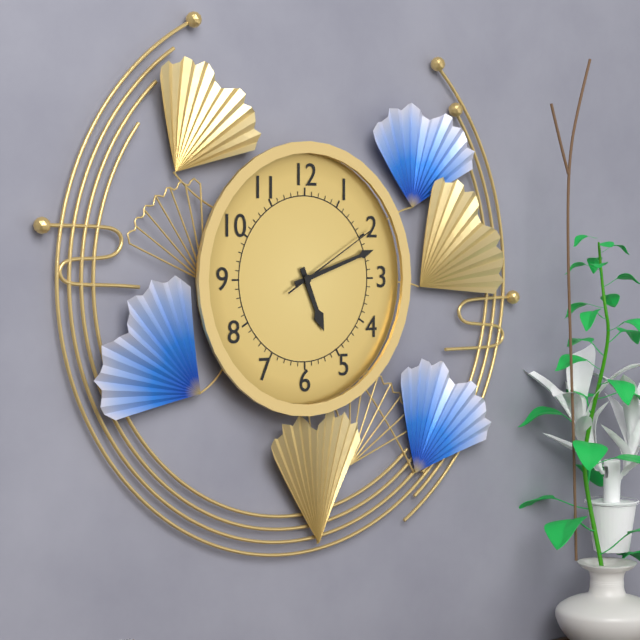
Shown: 5:12:10
